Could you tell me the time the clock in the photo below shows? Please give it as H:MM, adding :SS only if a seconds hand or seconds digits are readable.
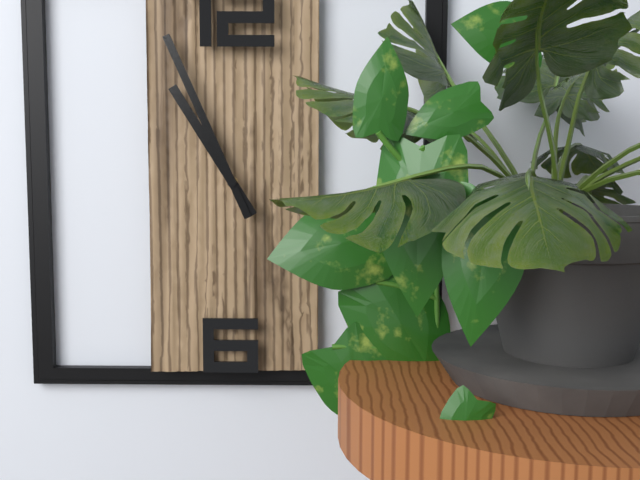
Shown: 10:56
